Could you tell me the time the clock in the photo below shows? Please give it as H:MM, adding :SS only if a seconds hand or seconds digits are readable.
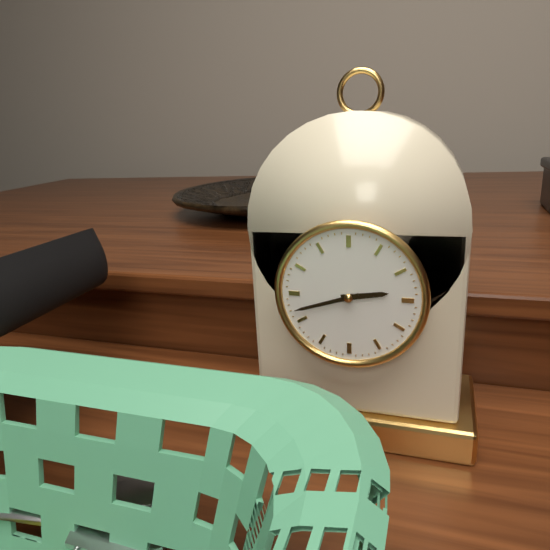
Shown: 2:42
